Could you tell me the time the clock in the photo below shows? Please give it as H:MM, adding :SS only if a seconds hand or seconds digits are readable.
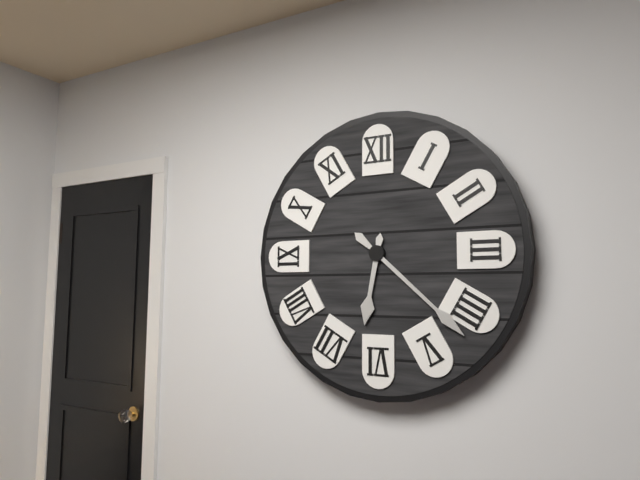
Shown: 6:22
